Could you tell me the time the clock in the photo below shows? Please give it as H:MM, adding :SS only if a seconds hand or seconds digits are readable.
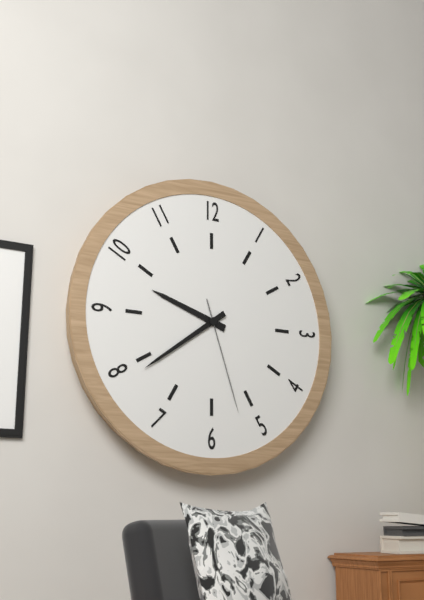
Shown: 9:39:27
